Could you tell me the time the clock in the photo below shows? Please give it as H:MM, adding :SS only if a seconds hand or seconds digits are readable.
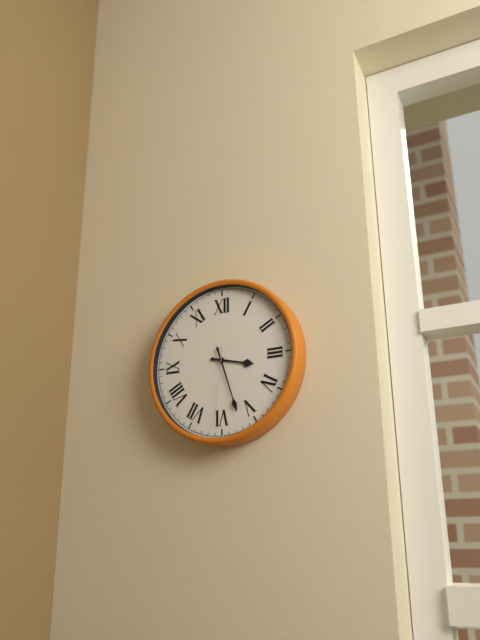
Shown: 3:27:31
